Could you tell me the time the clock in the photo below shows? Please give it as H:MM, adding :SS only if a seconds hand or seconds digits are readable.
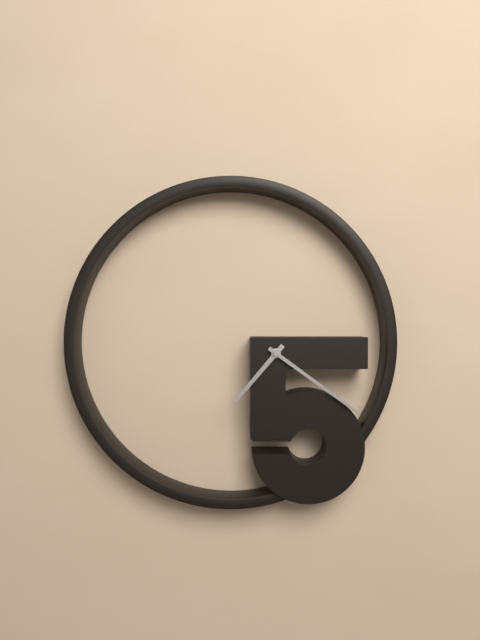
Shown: 7:21
